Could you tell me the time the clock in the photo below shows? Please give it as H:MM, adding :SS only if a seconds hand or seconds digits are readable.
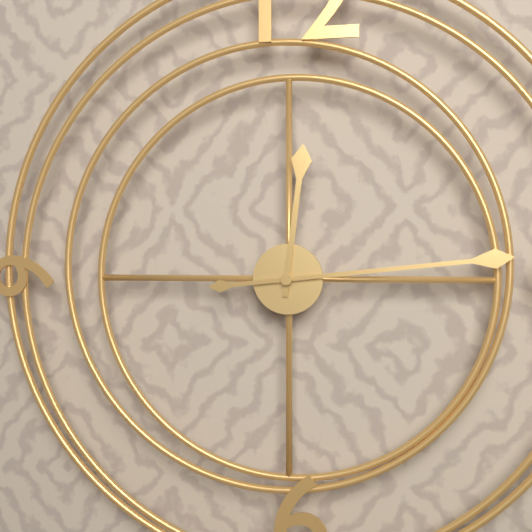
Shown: 12:14
